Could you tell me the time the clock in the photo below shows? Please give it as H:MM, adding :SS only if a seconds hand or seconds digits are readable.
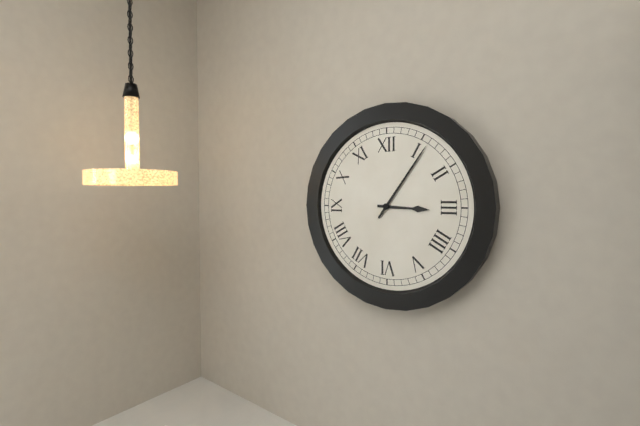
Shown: 3:06
